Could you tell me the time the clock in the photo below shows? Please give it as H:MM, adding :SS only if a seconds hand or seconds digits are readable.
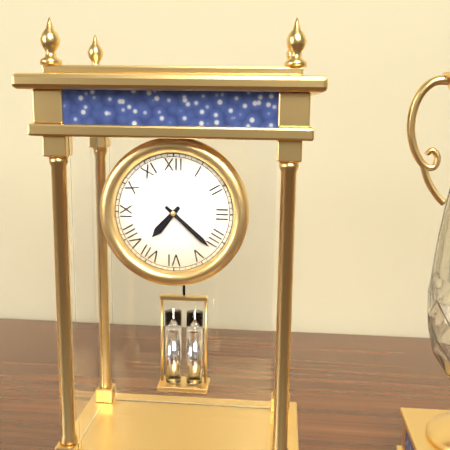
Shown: 7:22
